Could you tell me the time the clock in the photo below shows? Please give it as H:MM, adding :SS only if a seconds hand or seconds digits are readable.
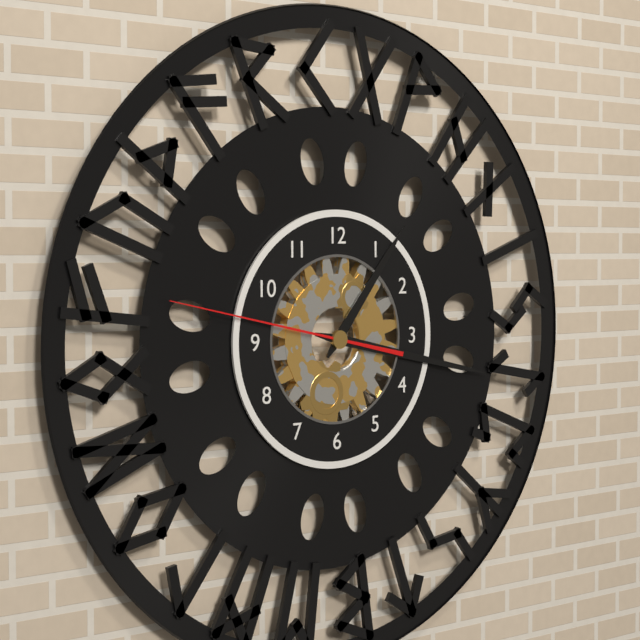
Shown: 1:17:47
